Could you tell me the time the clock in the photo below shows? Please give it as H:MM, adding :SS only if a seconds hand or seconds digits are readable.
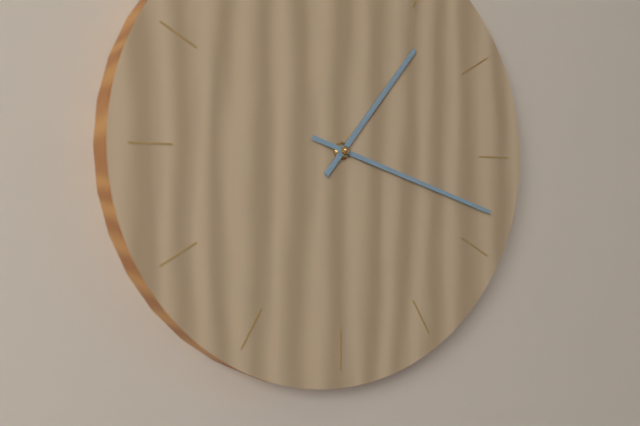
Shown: 1:18
